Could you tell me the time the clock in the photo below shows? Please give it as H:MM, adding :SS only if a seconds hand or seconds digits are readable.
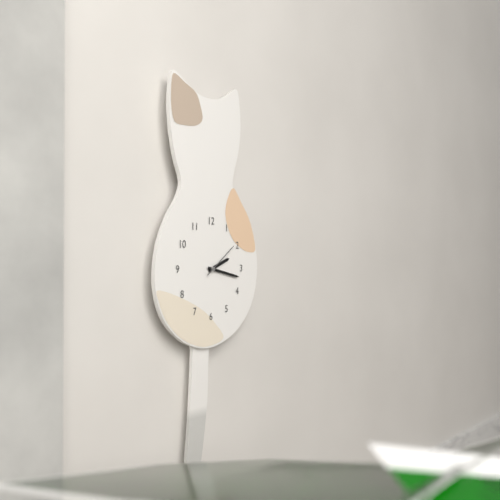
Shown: 2:17
